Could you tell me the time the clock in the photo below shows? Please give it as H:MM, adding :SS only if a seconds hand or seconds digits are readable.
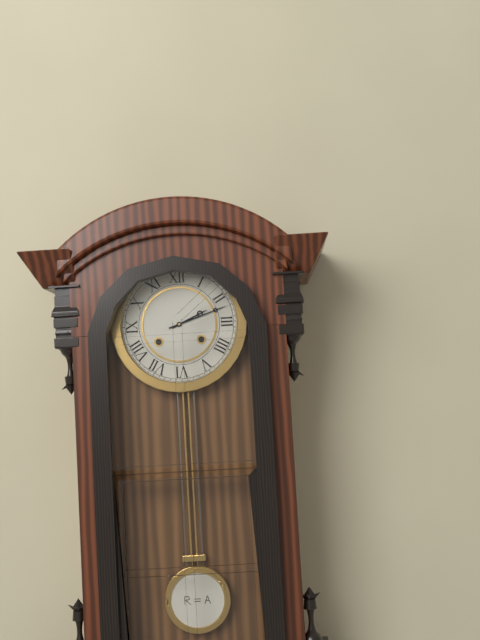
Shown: 2:12
